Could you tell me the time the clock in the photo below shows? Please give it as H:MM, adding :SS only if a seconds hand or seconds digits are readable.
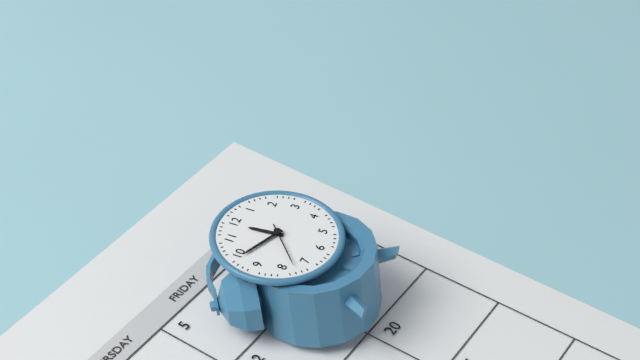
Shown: 11:49
